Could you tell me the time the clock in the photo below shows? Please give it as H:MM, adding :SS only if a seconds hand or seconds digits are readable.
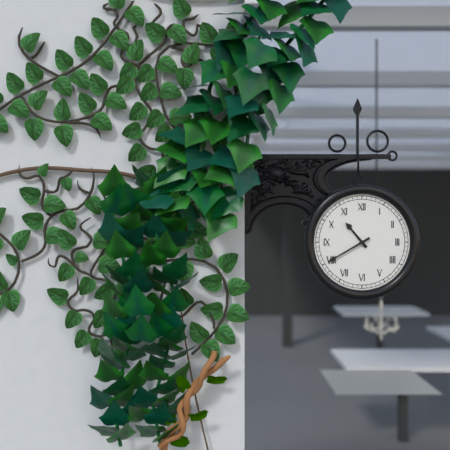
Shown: 10:40
